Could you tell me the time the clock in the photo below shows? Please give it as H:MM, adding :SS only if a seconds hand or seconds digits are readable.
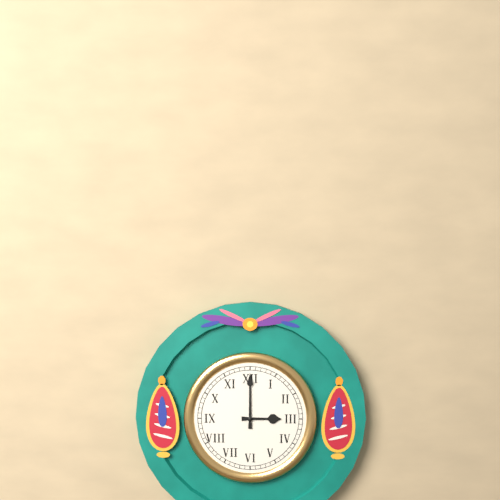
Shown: 3:00
